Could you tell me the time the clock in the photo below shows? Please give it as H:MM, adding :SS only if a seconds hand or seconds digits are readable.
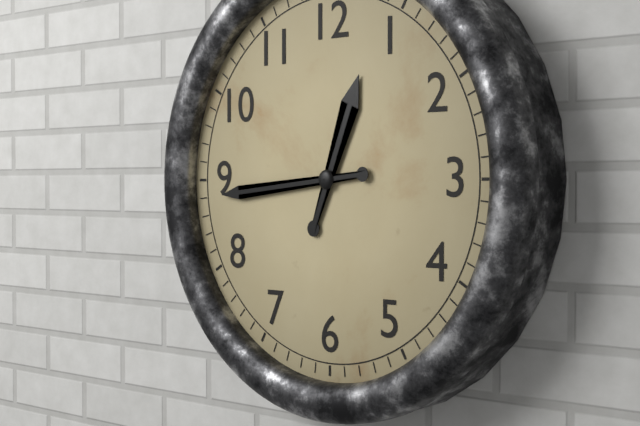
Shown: 12:44
